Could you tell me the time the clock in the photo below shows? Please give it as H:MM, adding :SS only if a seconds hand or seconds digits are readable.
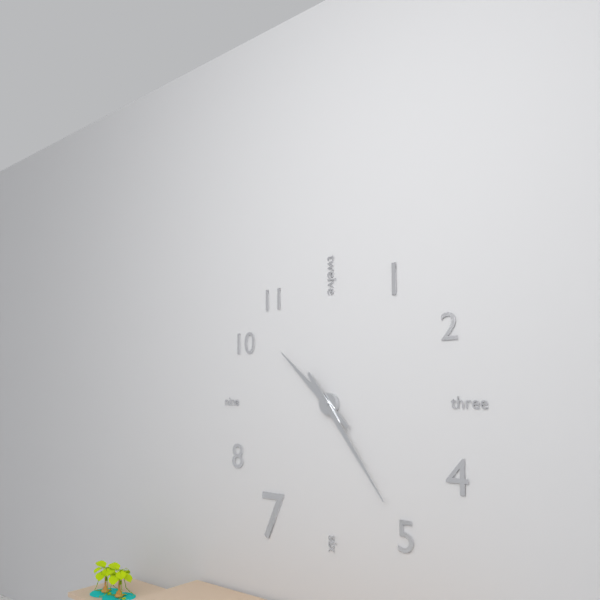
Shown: 10:24
